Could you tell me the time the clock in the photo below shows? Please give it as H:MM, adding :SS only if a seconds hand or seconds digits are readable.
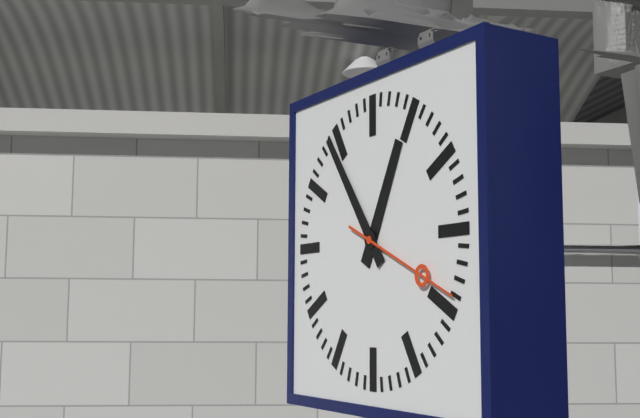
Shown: 12:54:19
